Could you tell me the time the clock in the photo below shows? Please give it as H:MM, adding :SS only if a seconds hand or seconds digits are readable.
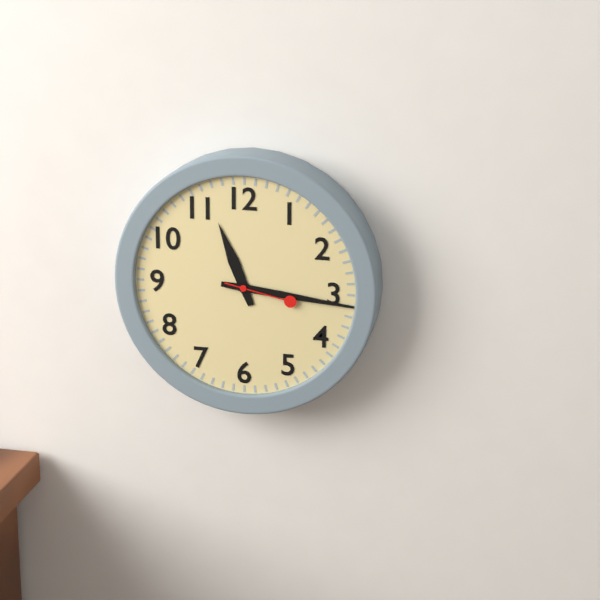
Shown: 11:16:17
